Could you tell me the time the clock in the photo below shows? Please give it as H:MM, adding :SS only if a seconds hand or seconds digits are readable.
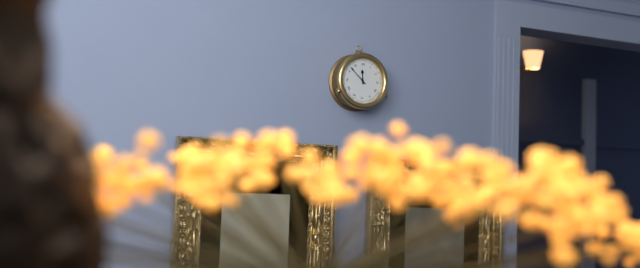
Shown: 11:52
